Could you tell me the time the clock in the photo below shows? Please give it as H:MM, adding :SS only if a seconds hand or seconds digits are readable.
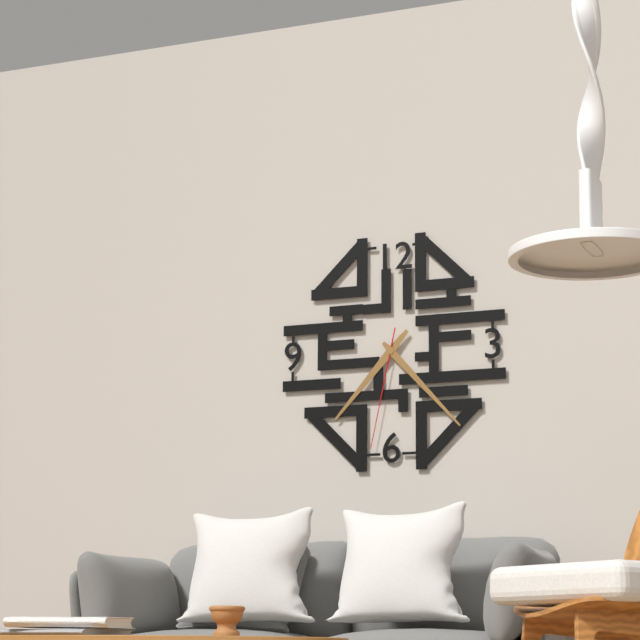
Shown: 7:23:32
